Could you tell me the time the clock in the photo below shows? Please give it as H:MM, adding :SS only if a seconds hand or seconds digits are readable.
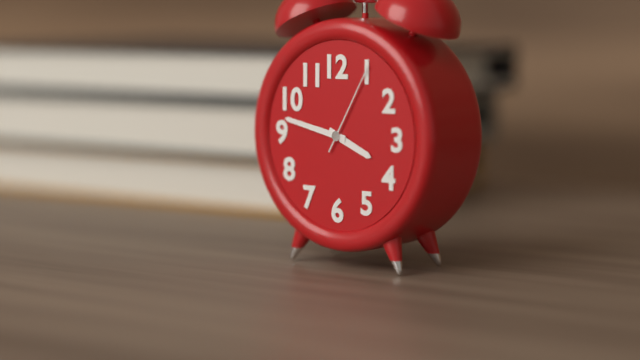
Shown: 3:47:05
